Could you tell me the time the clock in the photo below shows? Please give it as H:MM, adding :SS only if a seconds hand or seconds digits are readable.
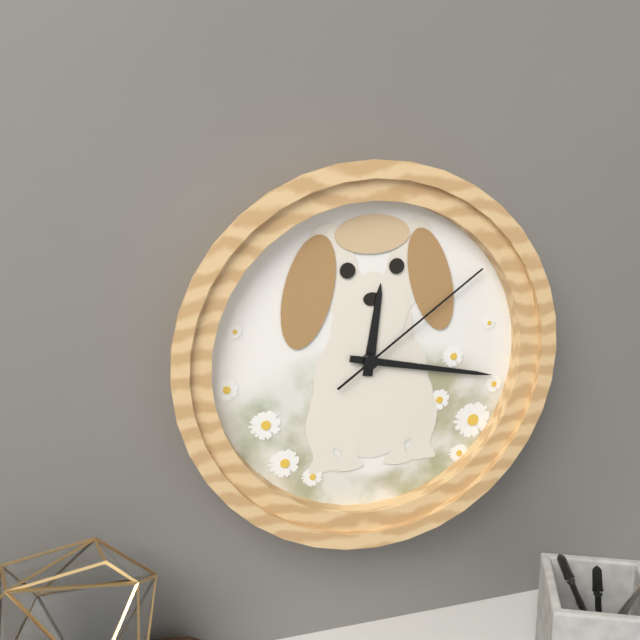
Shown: 12:17:09
